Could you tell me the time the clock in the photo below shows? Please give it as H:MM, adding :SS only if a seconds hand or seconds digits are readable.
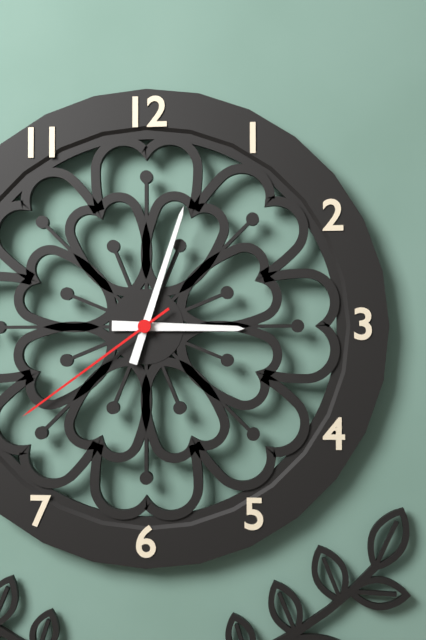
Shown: 3:03:39
